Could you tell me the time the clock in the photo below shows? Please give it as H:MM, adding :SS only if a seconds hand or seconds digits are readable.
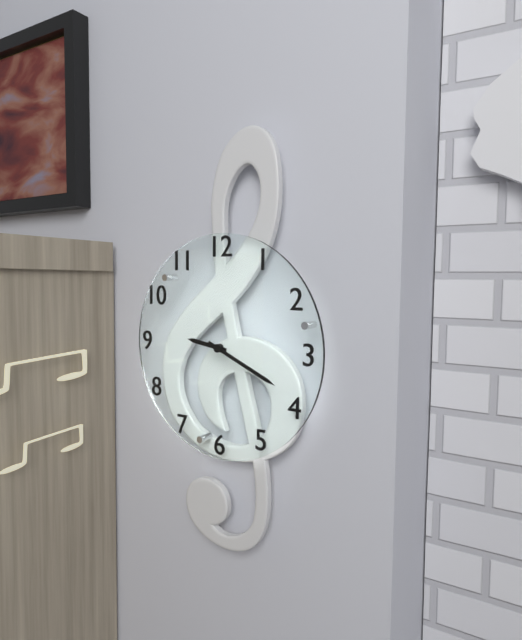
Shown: 9:19
